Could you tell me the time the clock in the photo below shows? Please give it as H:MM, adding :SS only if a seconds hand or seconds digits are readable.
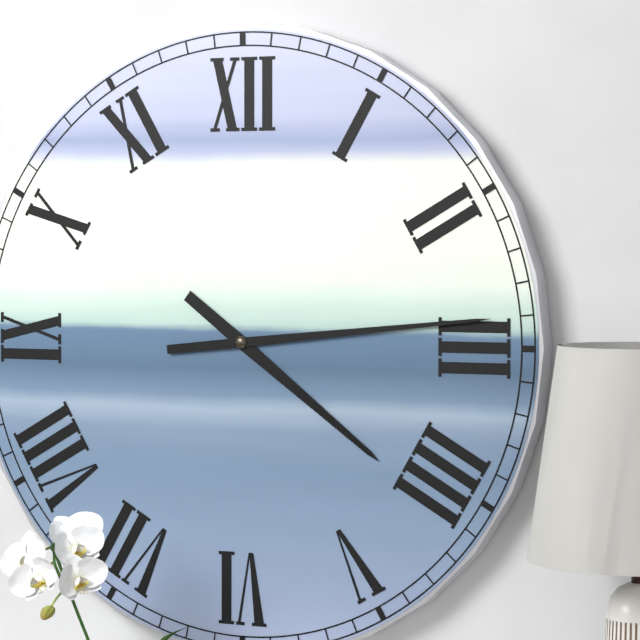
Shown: 4:14
